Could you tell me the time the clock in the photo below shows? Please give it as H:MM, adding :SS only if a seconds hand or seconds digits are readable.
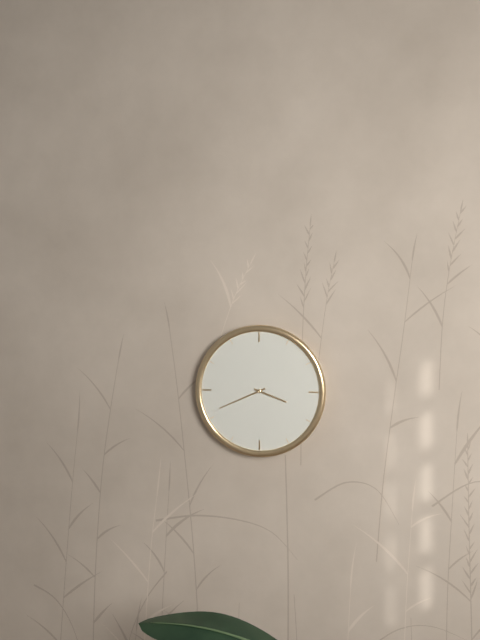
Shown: 3:41
